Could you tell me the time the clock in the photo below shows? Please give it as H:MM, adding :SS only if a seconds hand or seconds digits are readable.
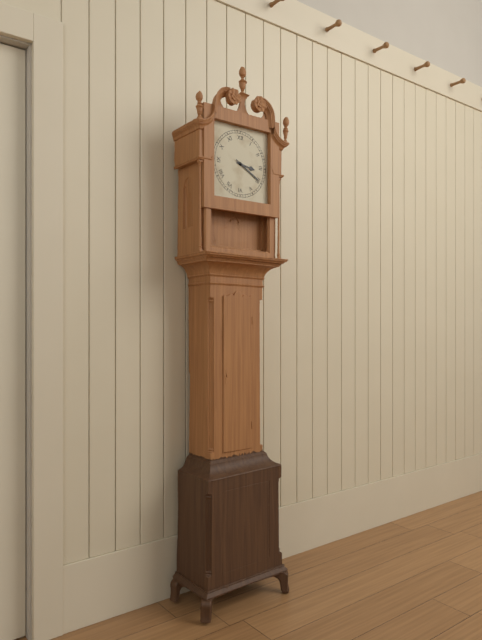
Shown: 3:20
